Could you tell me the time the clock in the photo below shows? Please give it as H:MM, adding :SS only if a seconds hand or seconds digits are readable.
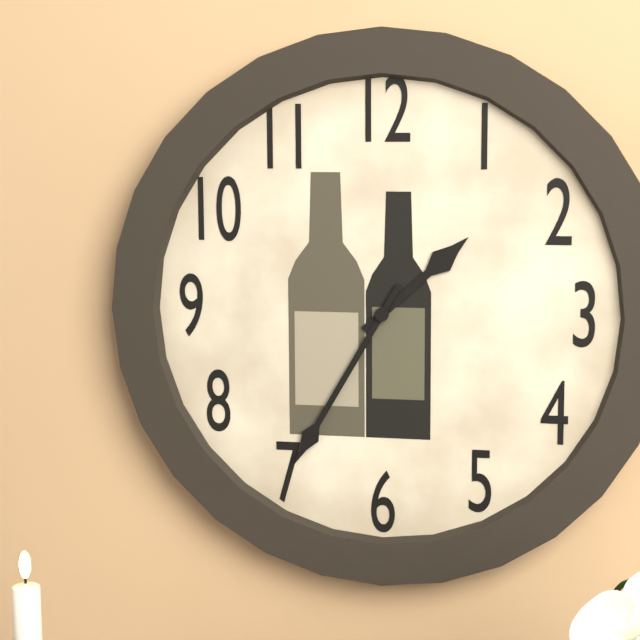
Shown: 1:35
